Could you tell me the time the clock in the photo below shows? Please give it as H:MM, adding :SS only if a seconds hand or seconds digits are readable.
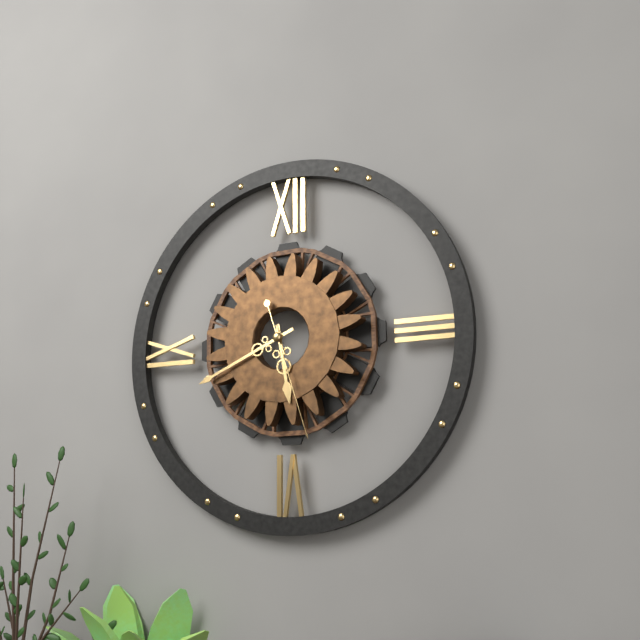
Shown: 5:41:27
